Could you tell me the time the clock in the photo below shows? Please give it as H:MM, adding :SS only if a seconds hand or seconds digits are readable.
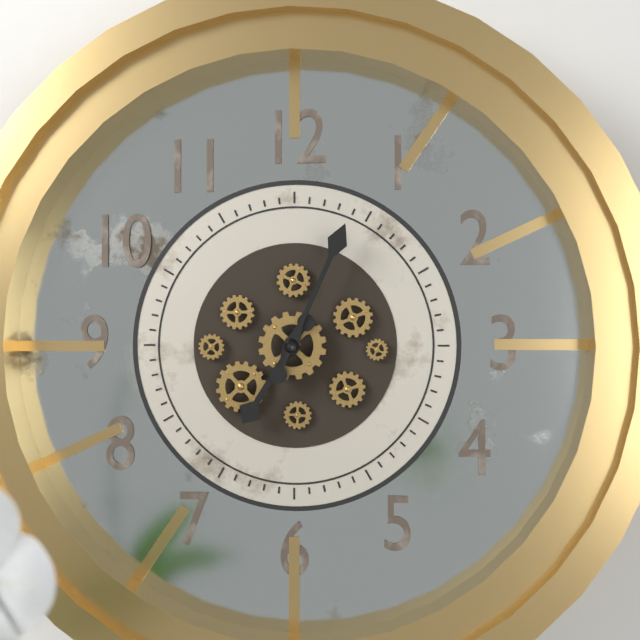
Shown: 7:04
